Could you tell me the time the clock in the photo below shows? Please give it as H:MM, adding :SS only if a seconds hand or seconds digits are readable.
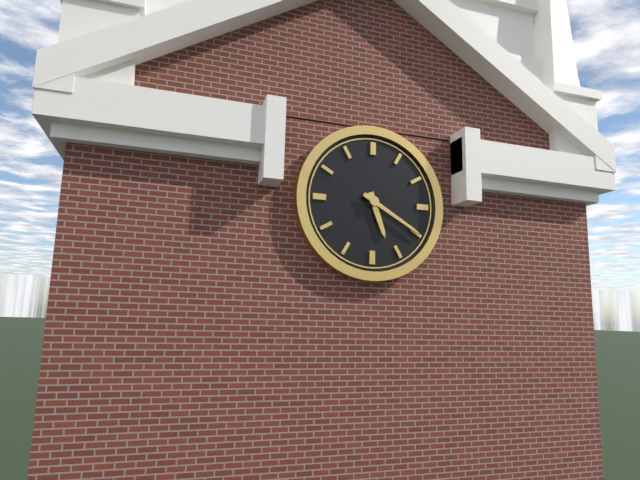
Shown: 5:20
